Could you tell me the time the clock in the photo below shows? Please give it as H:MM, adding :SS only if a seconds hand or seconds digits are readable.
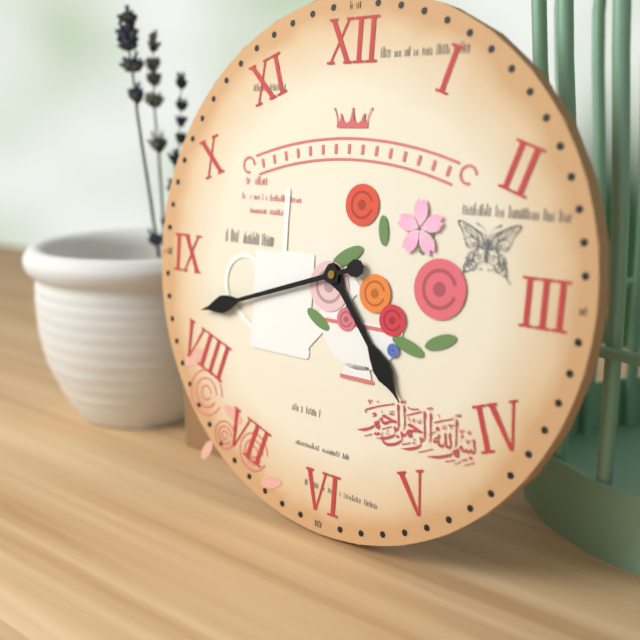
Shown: 4:42
